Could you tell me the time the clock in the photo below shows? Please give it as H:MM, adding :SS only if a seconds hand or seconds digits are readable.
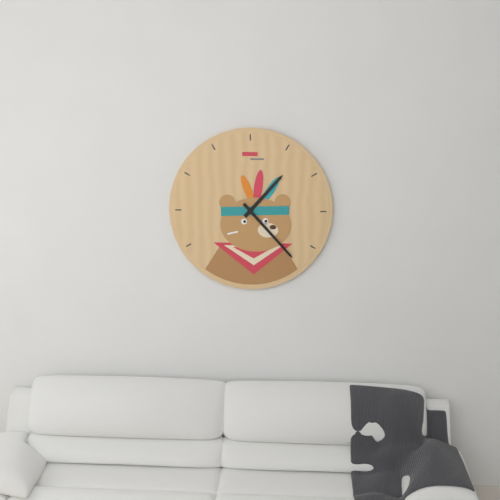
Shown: 1:23
